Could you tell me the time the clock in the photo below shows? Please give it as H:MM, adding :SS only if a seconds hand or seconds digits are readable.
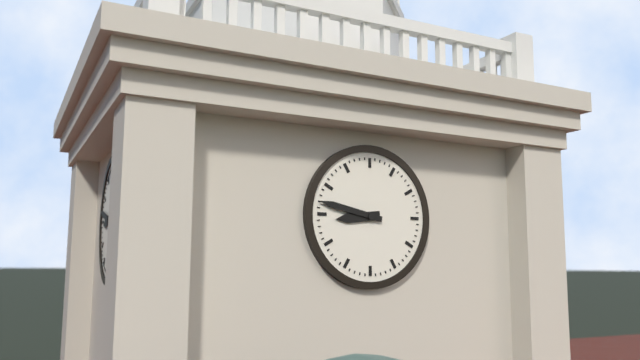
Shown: 8:47
